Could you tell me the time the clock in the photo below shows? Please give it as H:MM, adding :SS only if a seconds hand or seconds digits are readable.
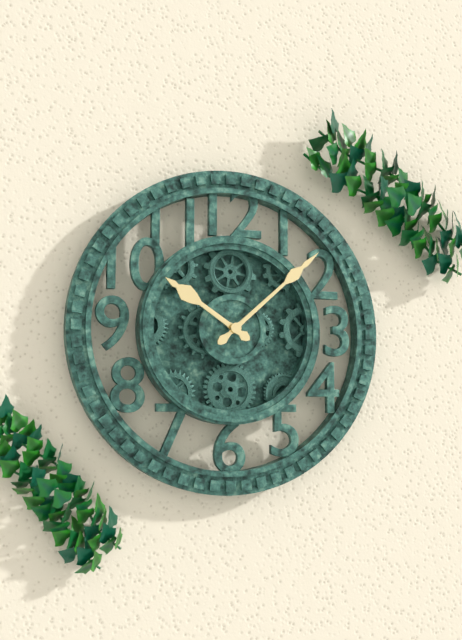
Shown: 10:08
